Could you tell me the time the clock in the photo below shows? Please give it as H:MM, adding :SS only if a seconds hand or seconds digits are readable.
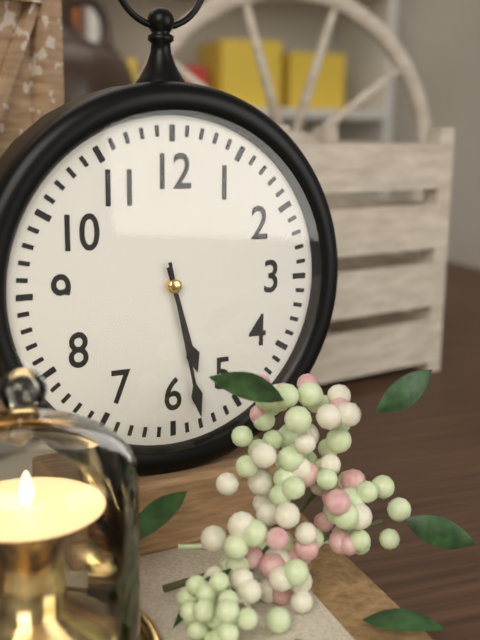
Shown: 5:28
